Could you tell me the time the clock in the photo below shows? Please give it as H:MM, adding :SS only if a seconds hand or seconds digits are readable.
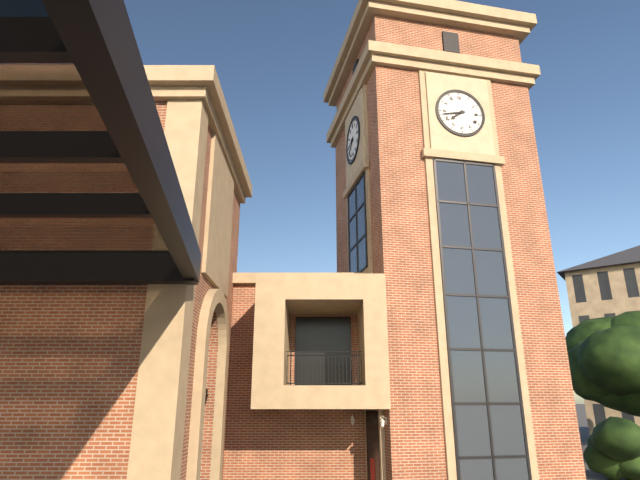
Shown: 7:43
